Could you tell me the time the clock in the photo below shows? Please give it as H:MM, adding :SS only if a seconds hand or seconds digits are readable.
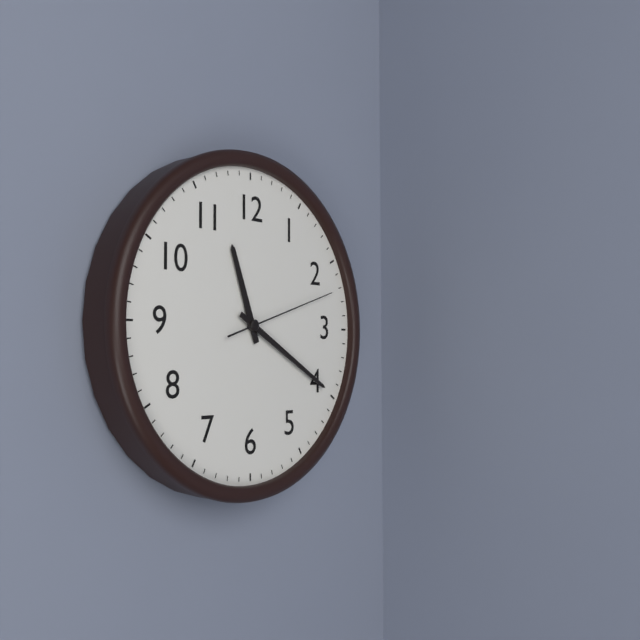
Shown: 11:20:12
